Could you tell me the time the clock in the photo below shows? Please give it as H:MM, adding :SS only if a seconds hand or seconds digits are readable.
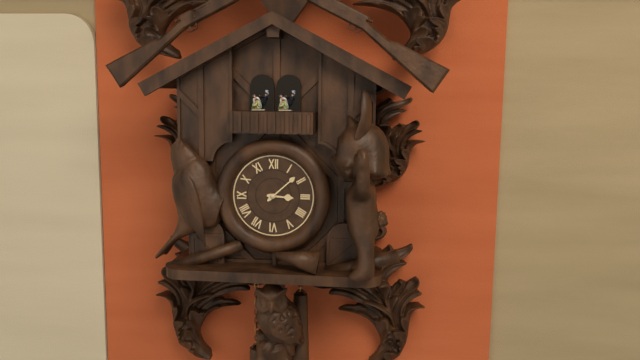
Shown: 3:08
